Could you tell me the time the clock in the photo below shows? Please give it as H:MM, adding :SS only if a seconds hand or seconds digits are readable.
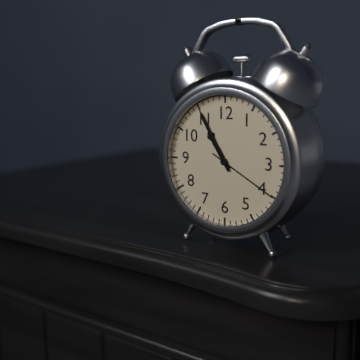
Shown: 10:55:20
